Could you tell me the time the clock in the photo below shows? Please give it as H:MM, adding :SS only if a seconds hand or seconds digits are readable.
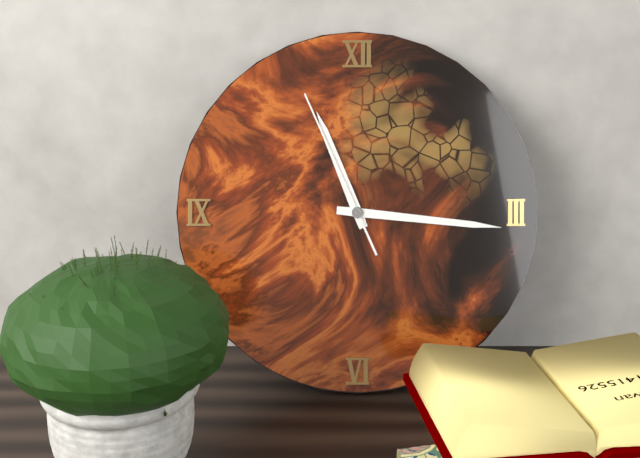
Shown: 11:16:56
